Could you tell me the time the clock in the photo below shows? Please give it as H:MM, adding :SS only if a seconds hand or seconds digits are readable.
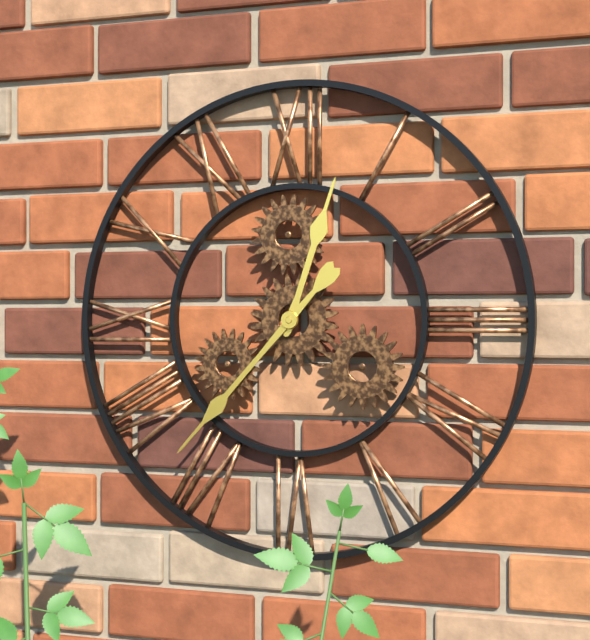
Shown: 12:37
